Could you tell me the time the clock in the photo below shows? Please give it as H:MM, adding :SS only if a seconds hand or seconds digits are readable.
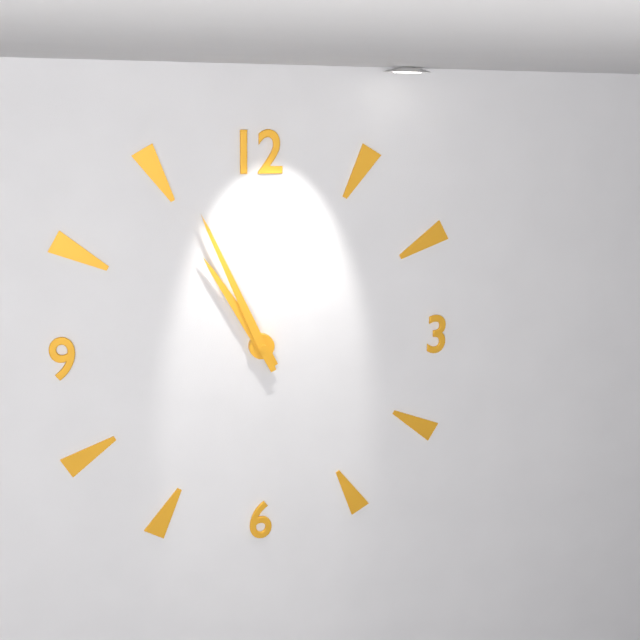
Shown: 10:56
